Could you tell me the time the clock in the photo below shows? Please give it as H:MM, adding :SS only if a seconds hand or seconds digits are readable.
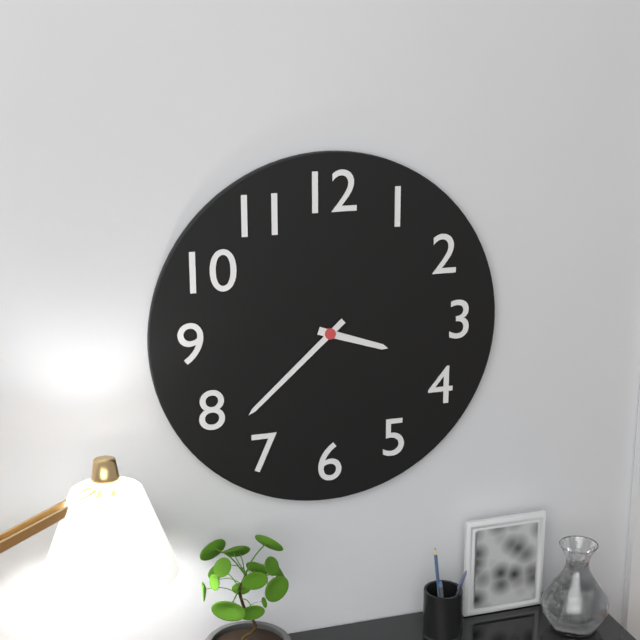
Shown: 3:38
